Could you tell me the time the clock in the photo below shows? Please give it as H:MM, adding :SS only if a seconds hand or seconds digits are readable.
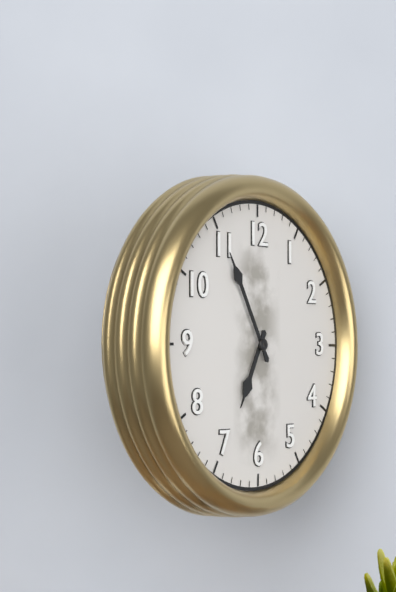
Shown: 6:55
